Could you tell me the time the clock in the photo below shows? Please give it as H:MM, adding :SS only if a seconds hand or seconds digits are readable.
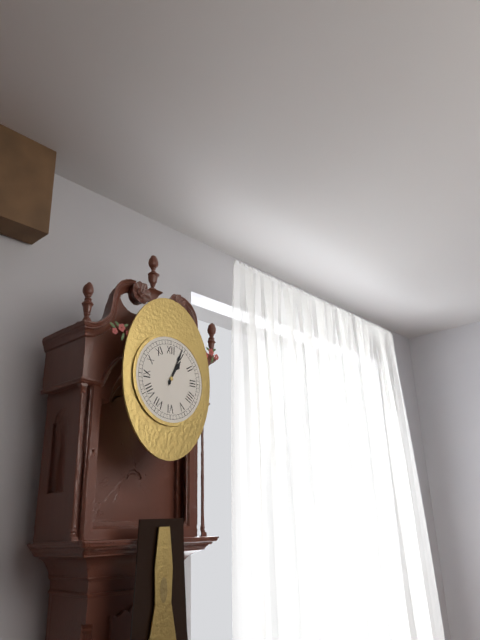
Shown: 1:04
